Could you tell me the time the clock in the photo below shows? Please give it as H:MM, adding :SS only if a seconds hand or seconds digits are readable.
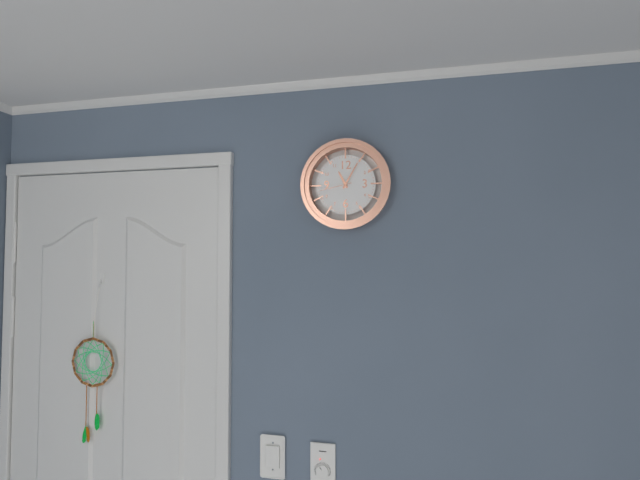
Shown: 11:05
